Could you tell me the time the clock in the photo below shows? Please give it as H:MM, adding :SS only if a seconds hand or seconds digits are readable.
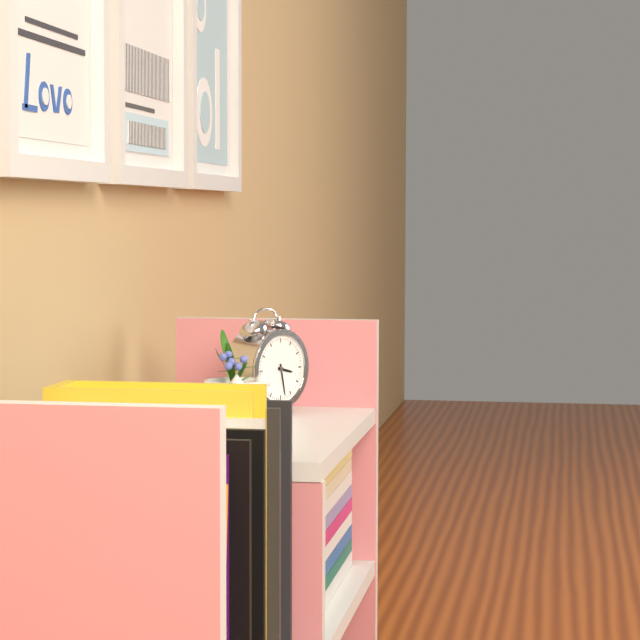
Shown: 3:28
